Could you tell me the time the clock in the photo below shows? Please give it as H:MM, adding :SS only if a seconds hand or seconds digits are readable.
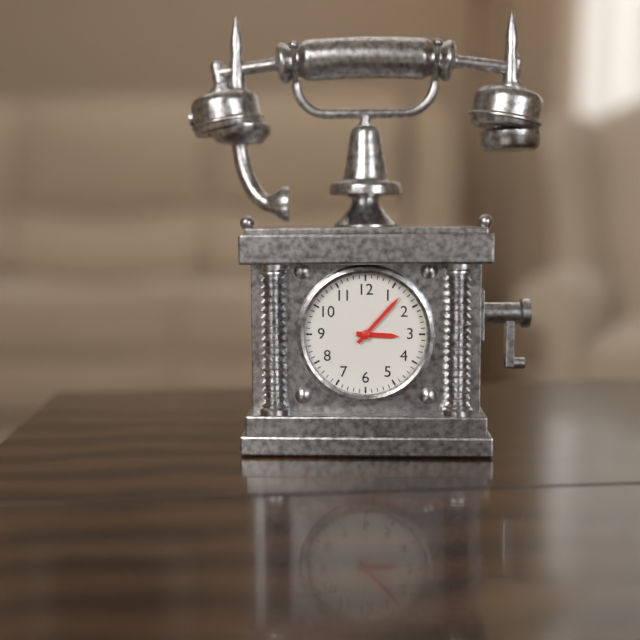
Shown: 3:07
